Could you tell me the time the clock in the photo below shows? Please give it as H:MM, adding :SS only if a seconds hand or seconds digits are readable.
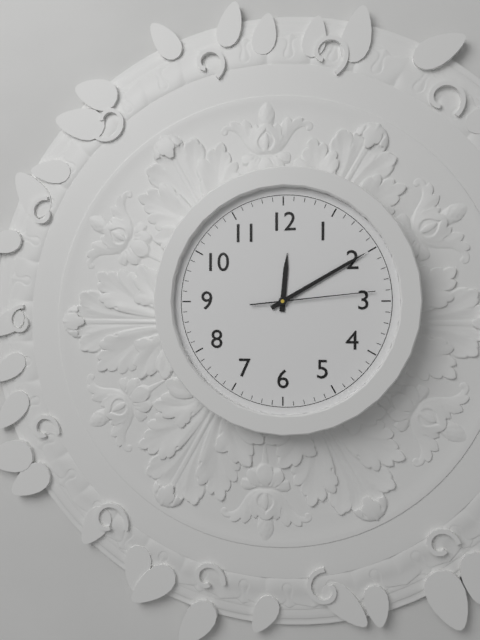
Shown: 12:10:14
